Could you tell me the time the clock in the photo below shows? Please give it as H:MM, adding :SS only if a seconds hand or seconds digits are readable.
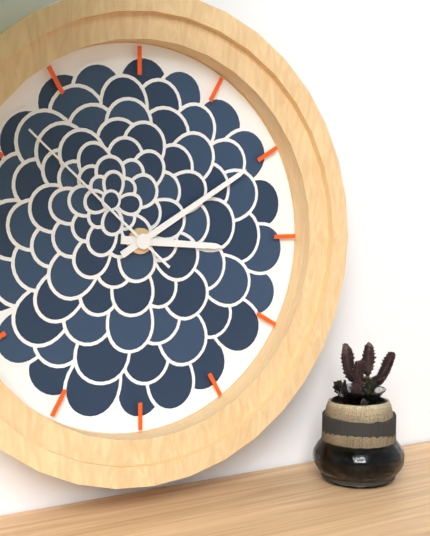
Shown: 3:10:52
